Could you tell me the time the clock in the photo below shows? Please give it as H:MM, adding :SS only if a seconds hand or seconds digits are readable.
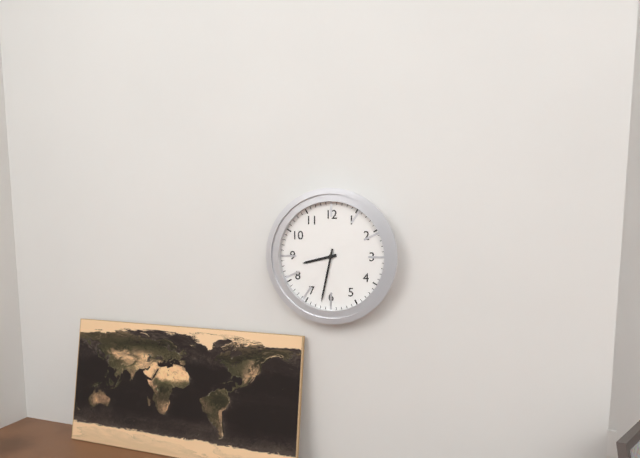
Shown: 8:32
